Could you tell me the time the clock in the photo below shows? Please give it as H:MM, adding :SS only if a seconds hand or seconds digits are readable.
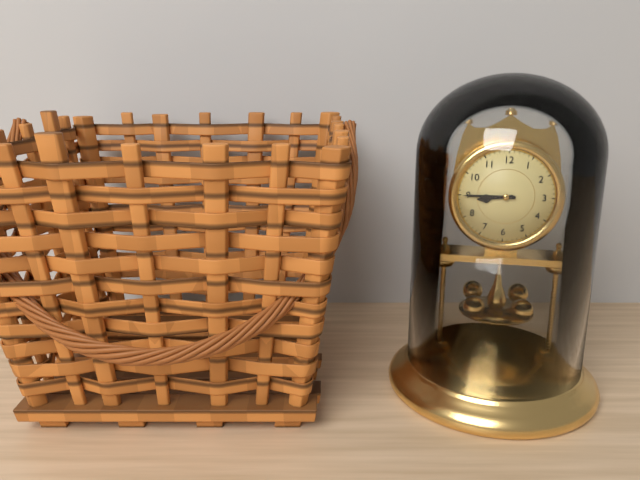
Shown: 8:45
